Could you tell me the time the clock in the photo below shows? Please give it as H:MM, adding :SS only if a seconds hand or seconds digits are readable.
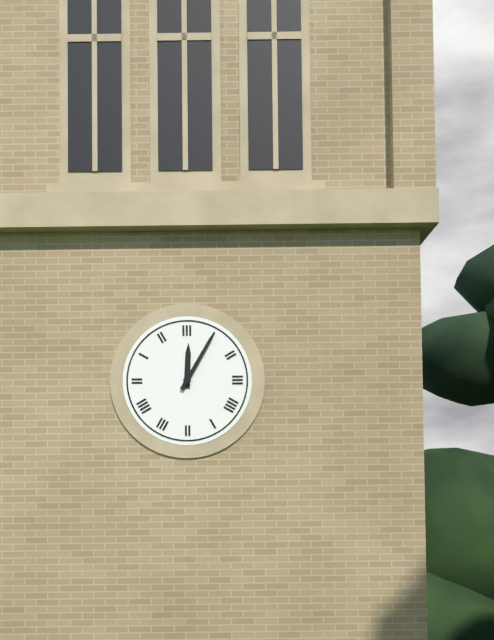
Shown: 12:05
